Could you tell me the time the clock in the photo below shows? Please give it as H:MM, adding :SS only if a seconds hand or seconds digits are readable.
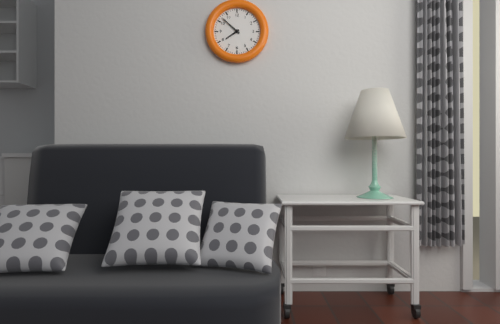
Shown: 7:52
